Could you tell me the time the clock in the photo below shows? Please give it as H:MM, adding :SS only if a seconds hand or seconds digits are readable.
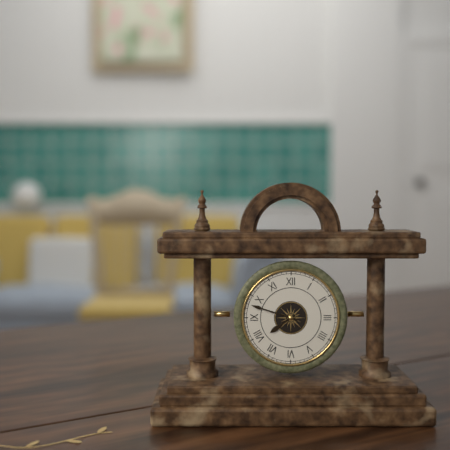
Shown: 7:48
